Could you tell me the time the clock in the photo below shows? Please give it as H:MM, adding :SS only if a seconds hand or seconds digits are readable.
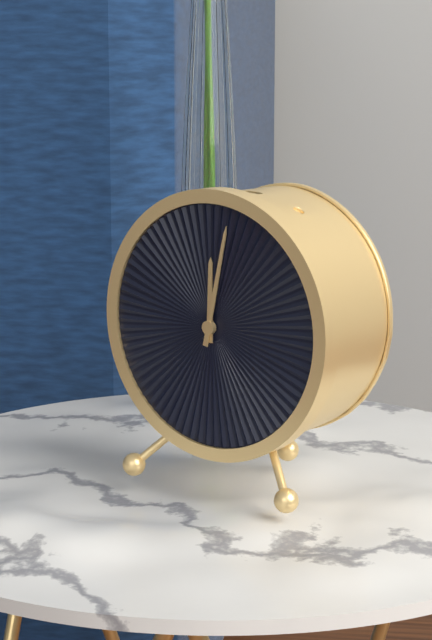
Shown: 12:02
